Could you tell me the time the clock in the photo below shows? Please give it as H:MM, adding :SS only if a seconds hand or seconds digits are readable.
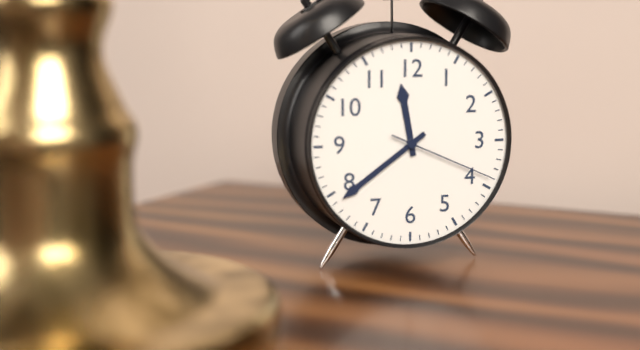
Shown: 11:39:19
